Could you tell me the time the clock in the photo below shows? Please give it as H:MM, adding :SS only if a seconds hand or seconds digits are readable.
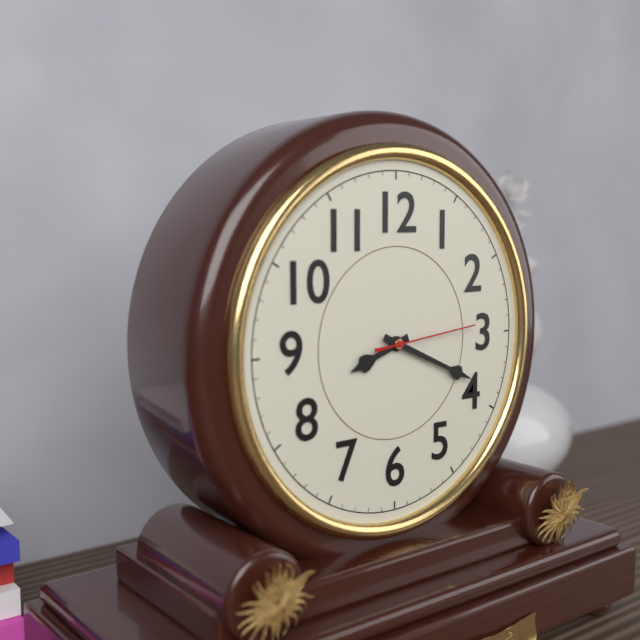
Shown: 8:19:14
